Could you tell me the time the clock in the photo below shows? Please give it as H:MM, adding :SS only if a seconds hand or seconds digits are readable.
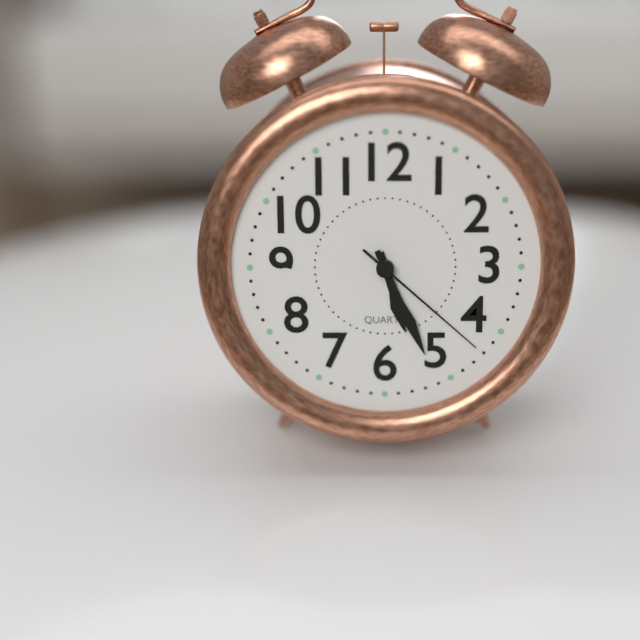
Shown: 5:26:22
